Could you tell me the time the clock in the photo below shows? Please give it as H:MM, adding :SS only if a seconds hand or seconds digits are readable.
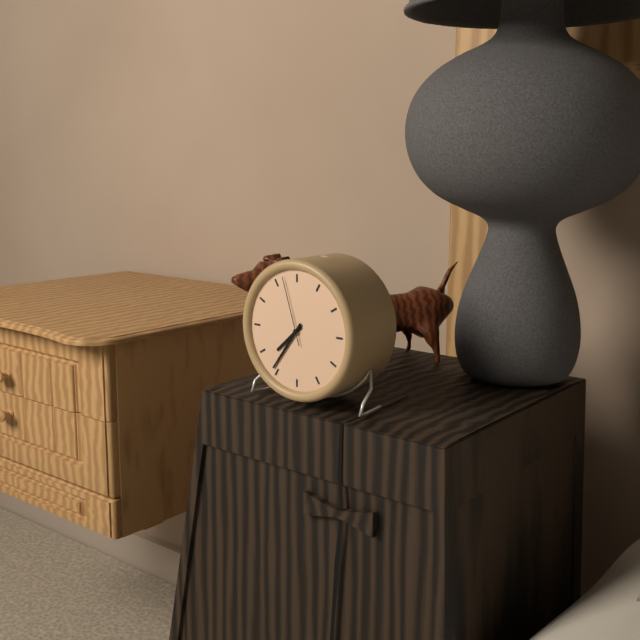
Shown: 7:36:57
